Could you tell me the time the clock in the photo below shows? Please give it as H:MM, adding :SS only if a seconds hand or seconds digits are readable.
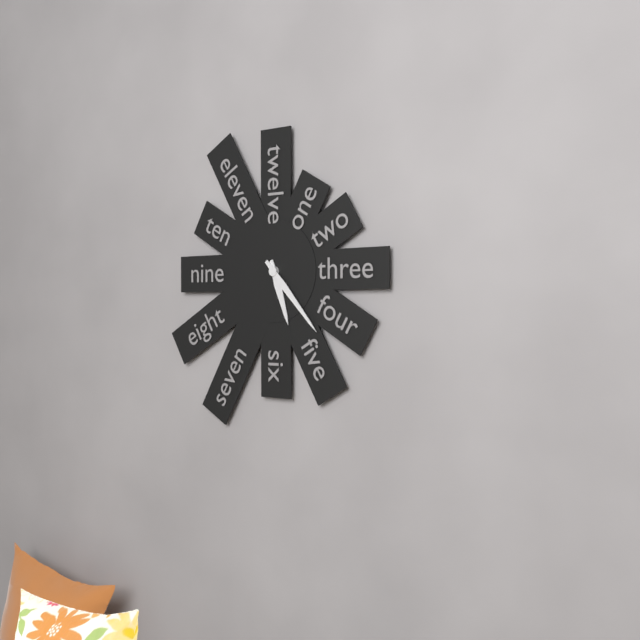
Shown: 5:23
